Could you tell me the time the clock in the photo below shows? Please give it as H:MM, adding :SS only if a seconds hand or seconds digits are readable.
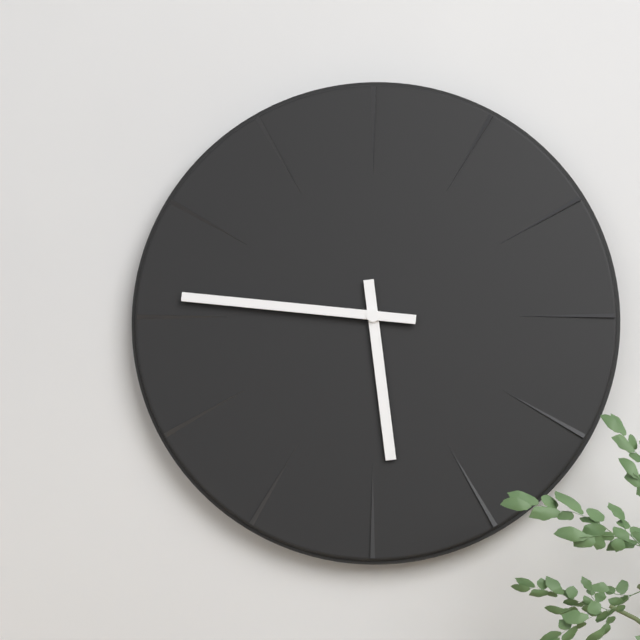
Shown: 5:46
